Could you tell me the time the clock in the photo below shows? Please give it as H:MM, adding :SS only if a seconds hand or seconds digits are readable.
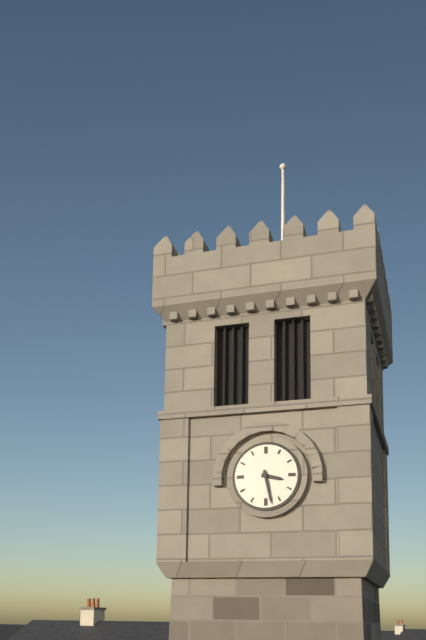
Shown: 3:28
